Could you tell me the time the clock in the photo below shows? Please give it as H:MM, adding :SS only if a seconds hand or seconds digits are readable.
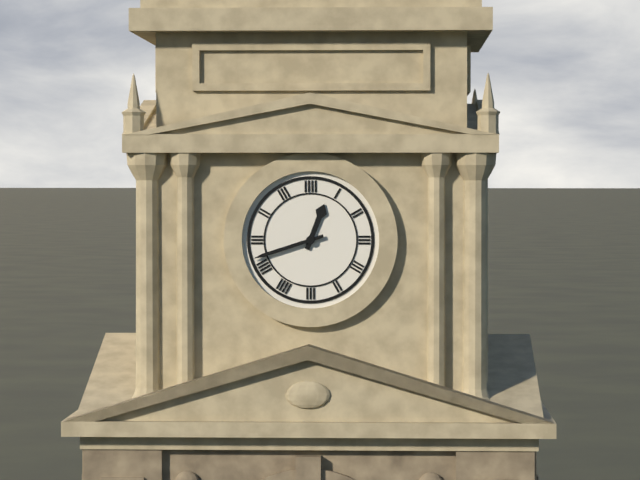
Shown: 12:42
